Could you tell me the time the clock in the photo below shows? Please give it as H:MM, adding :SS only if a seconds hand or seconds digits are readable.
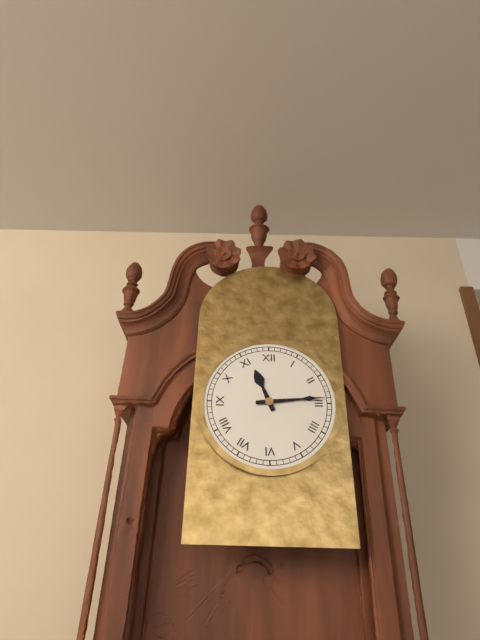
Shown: 11:14
